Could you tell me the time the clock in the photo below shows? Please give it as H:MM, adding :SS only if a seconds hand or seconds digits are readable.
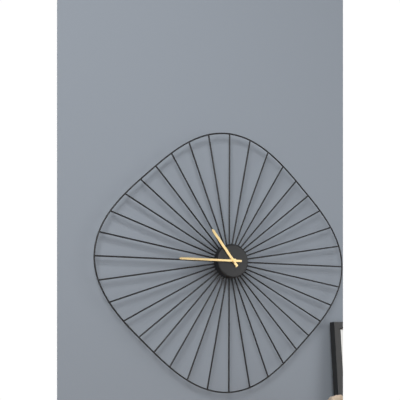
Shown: 10:45
